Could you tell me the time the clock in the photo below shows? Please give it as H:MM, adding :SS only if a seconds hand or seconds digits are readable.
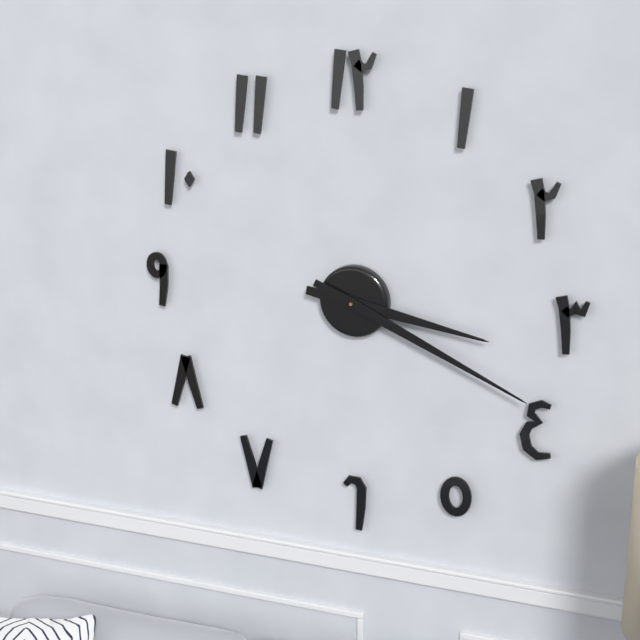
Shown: 3:19
